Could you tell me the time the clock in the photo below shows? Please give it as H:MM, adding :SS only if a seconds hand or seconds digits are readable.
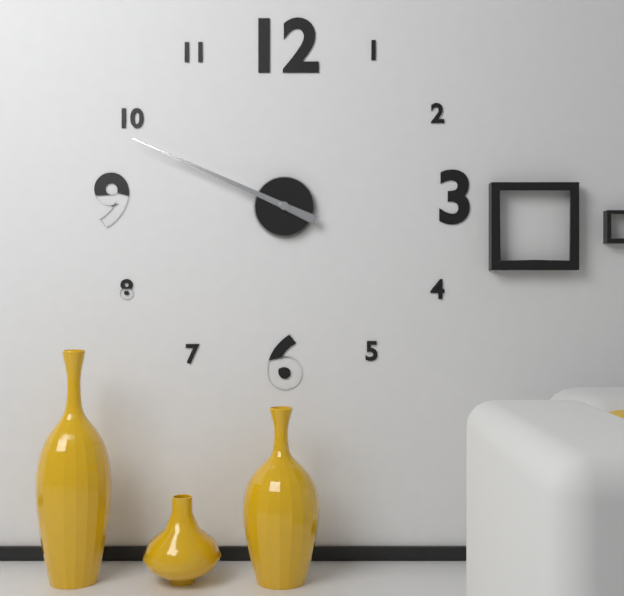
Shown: 9:49
